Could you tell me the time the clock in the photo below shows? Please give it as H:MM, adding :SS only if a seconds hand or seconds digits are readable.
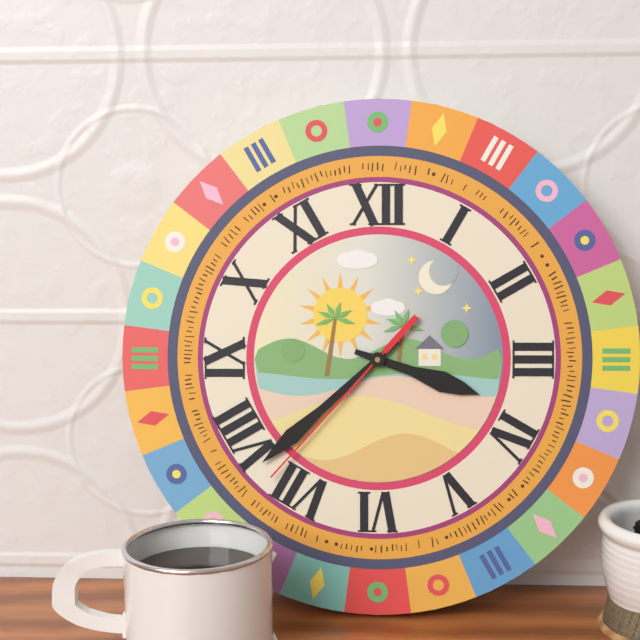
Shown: 3:38:37
